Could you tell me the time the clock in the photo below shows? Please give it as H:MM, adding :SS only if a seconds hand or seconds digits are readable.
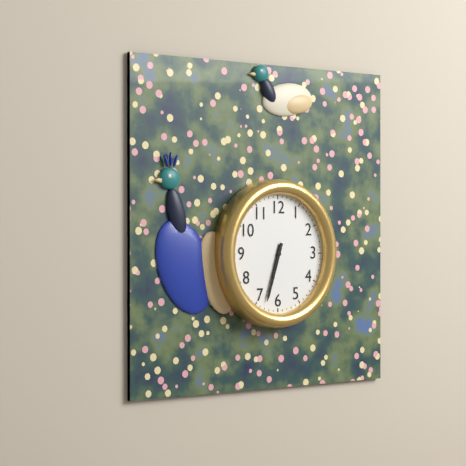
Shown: 6:33
